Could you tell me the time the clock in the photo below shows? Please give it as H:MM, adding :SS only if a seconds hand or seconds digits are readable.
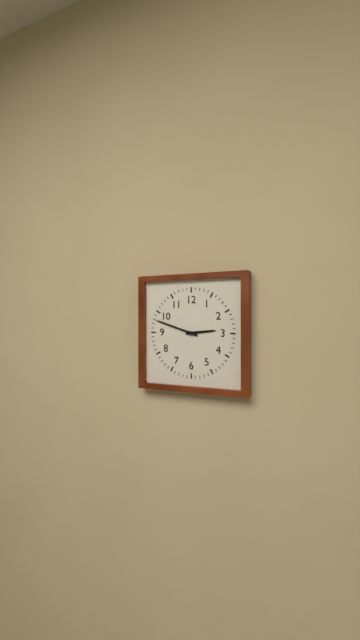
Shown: 2:48
